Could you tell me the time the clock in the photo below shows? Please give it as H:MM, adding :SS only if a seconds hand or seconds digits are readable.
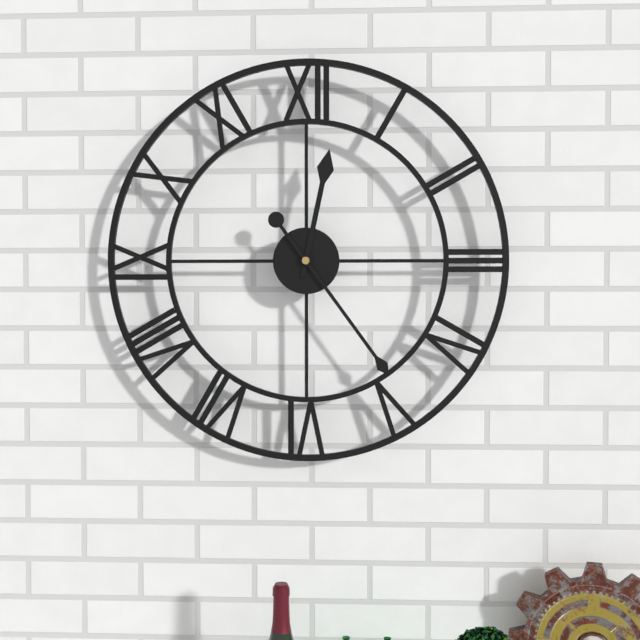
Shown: 12:24
